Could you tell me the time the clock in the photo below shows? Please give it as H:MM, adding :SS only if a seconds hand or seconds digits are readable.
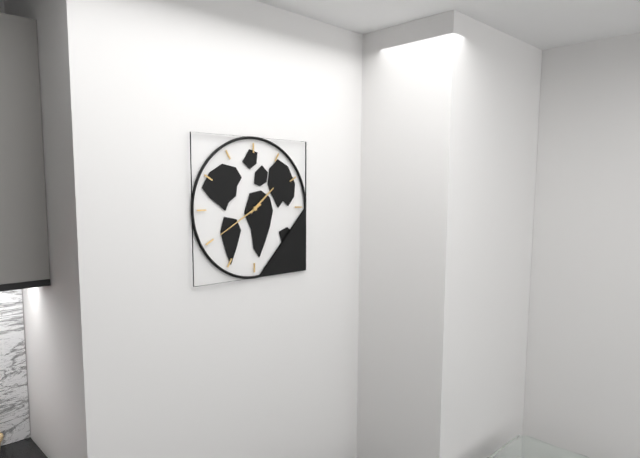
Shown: 1:40
